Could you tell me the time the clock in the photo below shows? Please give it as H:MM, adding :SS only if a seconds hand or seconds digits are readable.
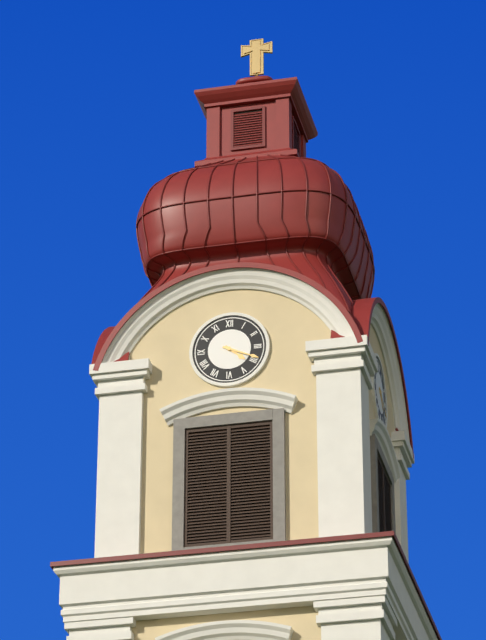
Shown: 4:19
